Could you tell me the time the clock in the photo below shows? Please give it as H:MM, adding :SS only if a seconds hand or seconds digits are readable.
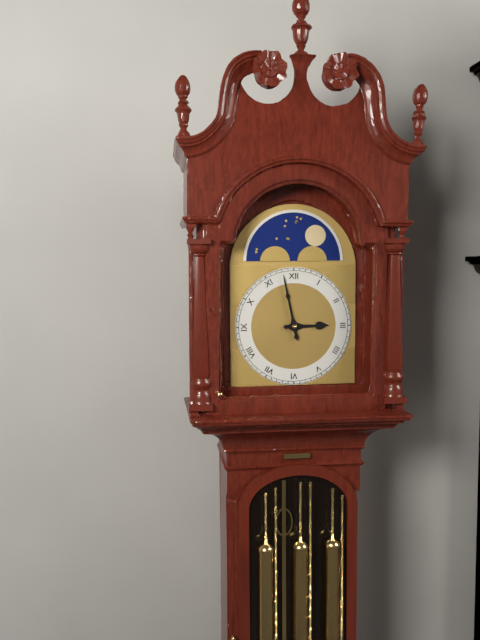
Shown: 2:58
